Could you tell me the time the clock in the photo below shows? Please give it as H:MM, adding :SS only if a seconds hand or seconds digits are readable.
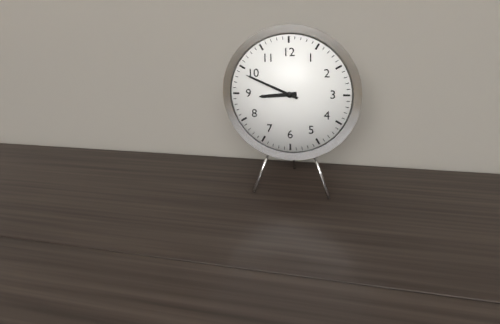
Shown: 8:49
